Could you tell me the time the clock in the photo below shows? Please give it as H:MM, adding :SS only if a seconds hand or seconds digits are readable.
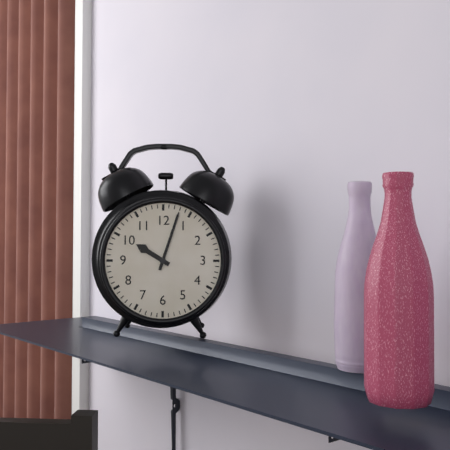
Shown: 10:03
